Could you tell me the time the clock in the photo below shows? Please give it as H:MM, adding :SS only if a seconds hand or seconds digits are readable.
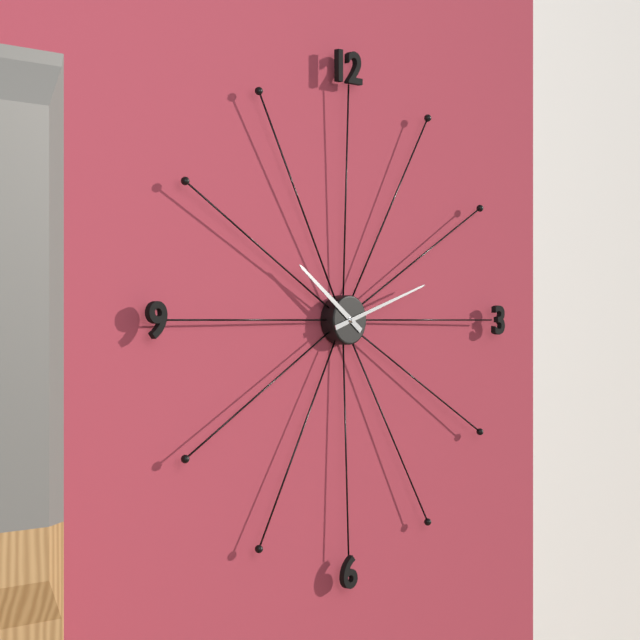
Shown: 10:12
